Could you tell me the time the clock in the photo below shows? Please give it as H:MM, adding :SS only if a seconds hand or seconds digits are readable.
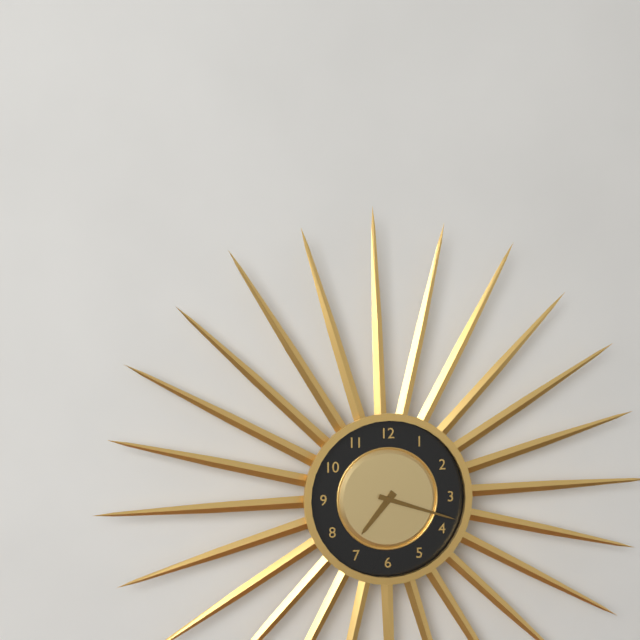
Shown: 7:18
